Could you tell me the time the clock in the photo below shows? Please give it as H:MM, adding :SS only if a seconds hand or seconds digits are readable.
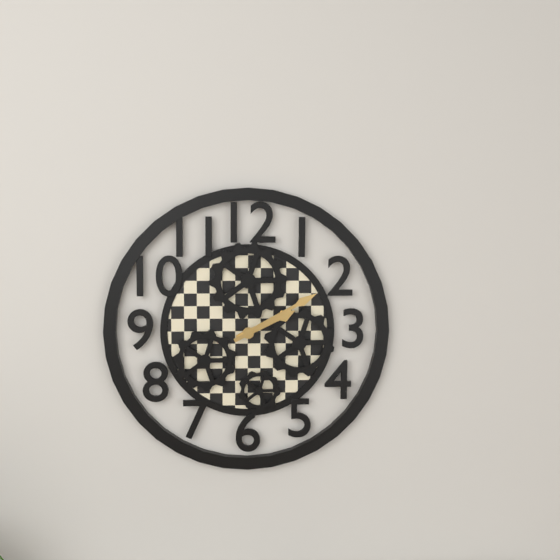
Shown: 2:10
